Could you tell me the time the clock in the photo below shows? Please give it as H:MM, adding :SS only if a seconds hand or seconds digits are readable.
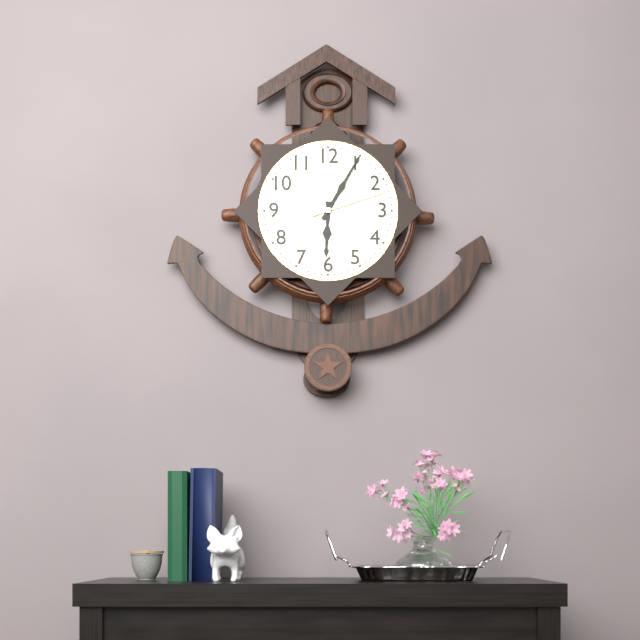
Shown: 6:05:12
